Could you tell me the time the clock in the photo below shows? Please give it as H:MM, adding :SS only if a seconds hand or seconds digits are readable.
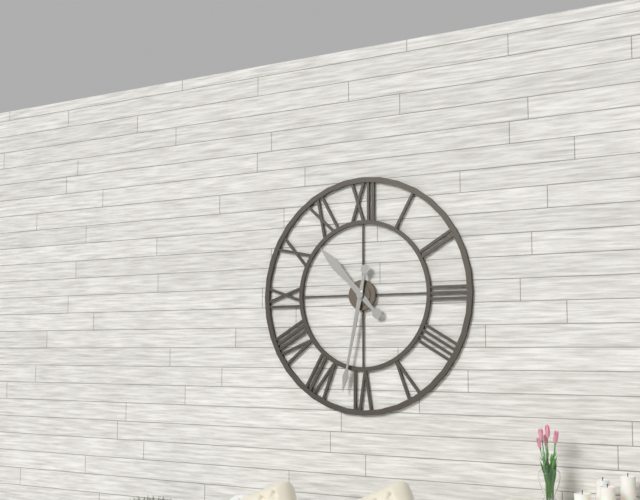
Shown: 10:32
